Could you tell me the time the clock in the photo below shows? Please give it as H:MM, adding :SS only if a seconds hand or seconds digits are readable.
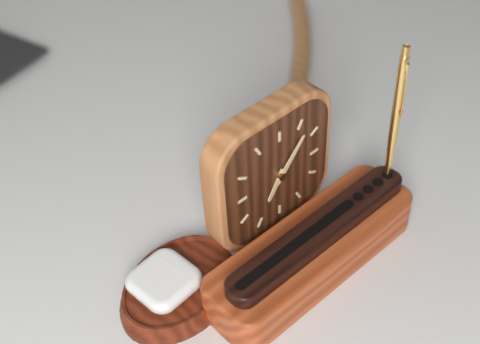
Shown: 7:07
